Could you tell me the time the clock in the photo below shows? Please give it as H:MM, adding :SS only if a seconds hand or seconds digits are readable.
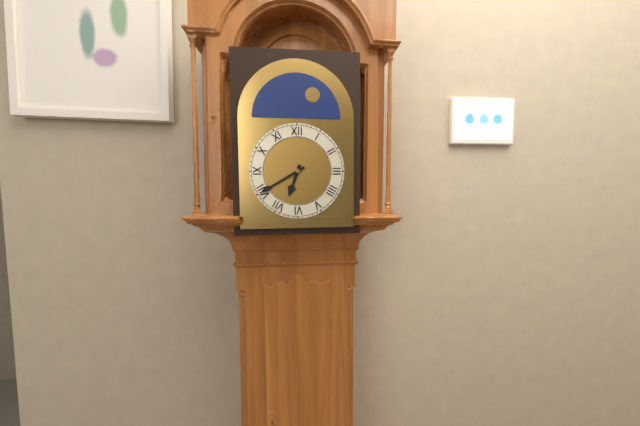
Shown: 6:40
